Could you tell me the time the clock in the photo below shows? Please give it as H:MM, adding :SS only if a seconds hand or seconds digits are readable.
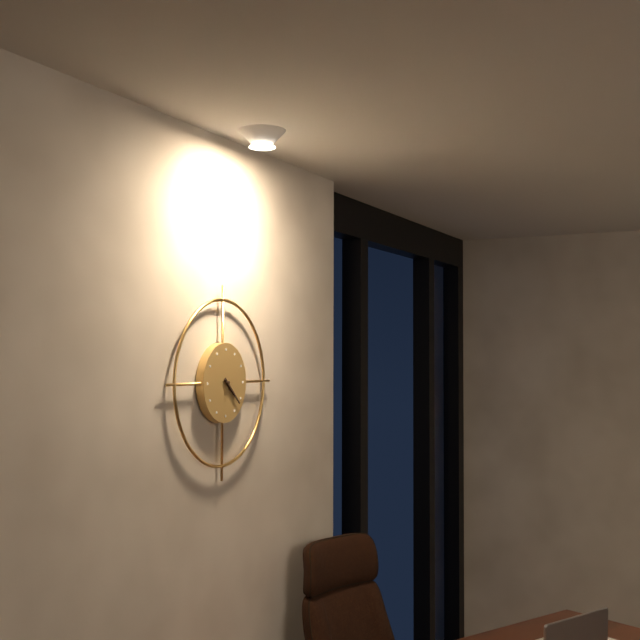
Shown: 4:22
